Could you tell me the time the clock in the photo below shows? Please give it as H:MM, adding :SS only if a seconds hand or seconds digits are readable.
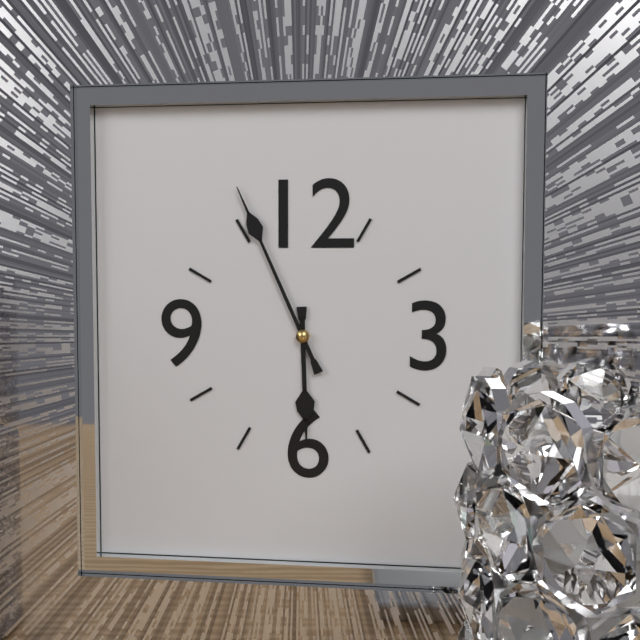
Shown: 5:56
